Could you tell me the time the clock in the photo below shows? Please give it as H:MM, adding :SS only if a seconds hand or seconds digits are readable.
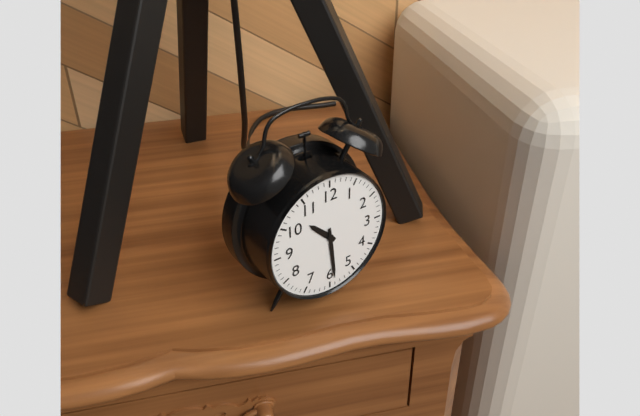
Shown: 10:29
